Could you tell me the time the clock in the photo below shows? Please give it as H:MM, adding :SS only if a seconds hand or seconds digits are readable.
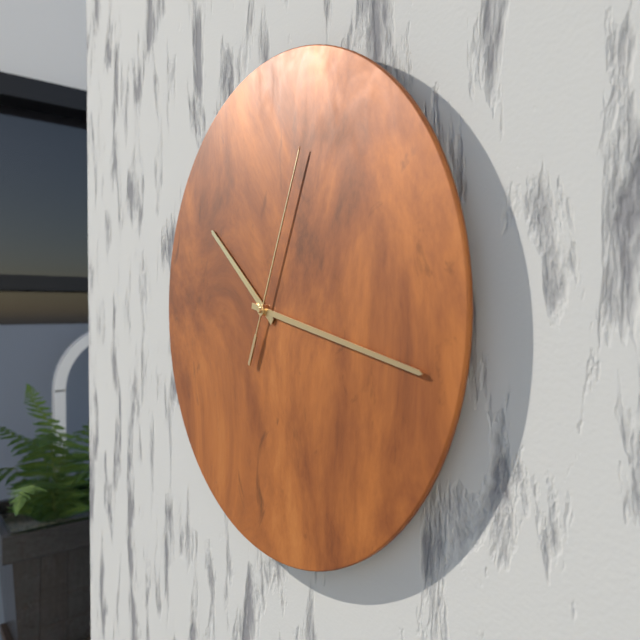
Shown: 10:17:04
